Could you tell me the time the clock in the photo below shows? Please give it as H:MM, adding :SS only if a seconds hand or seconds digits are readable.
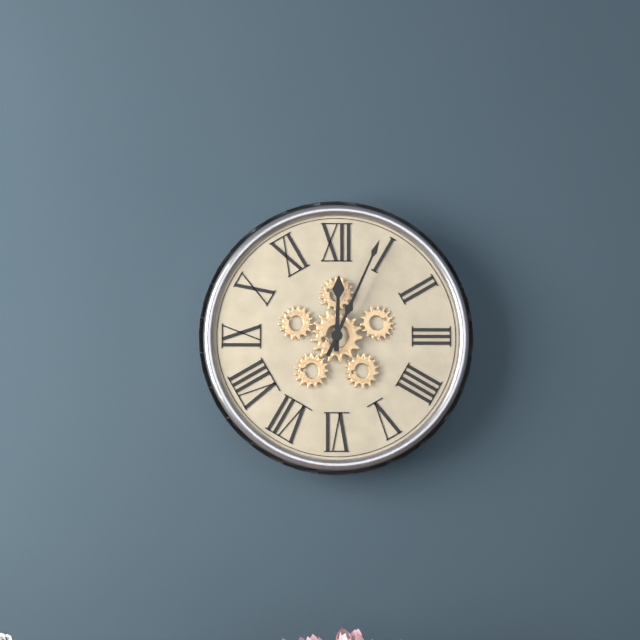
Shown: 12:04
